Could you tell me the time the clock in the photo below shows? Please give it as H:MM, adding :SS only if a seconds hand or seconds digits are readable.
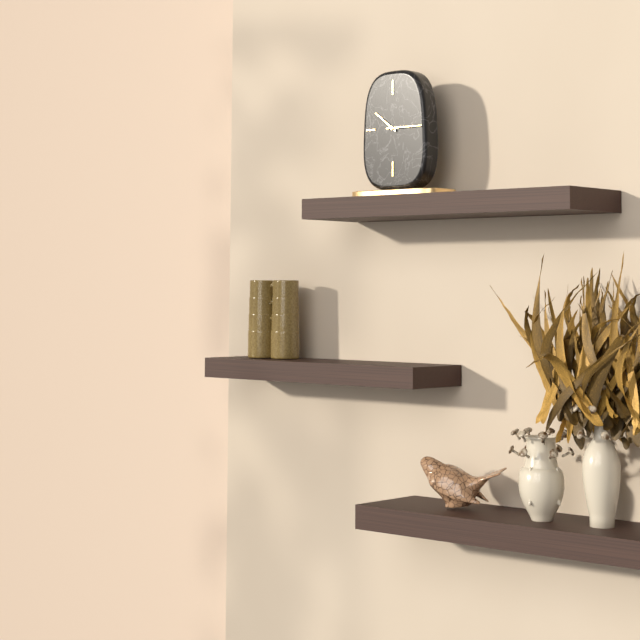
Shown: 10:15
